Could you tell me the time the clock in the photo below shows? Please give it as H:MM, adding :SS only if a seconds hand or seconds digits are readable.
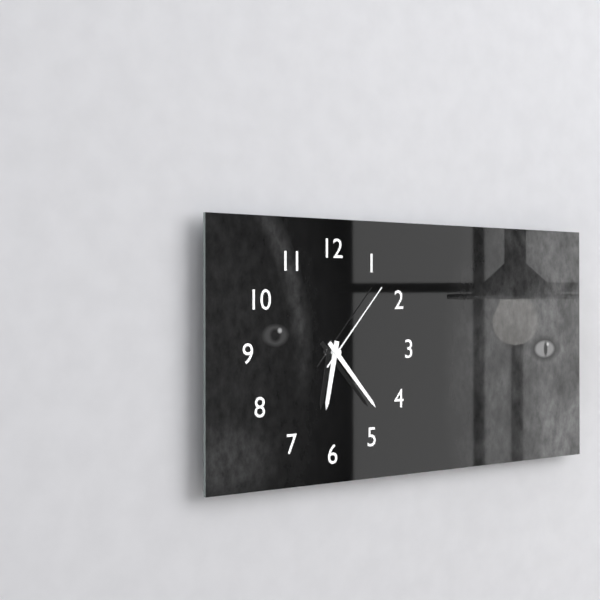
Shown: 6:23:07
